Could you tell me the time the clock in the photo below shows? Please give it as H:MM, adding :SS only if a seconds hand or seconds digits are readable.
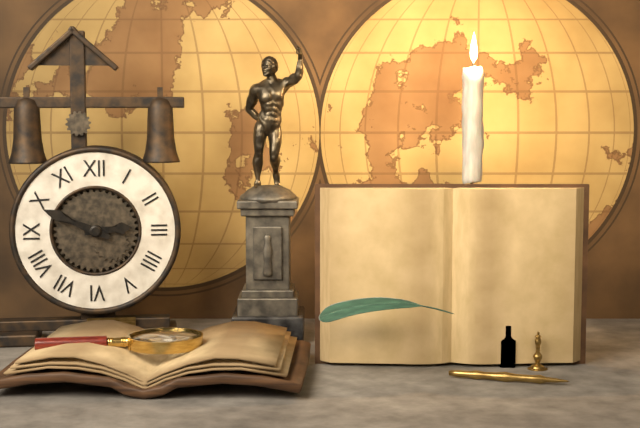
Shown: 2:49
